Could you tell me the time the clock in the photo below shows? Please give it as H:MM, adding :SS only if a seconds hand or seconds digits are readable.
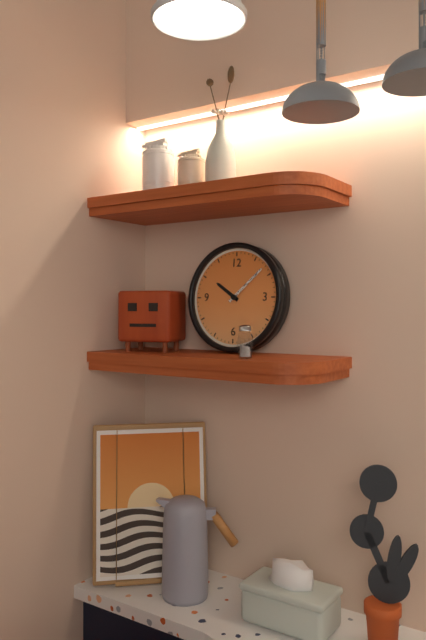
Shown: 10:08
